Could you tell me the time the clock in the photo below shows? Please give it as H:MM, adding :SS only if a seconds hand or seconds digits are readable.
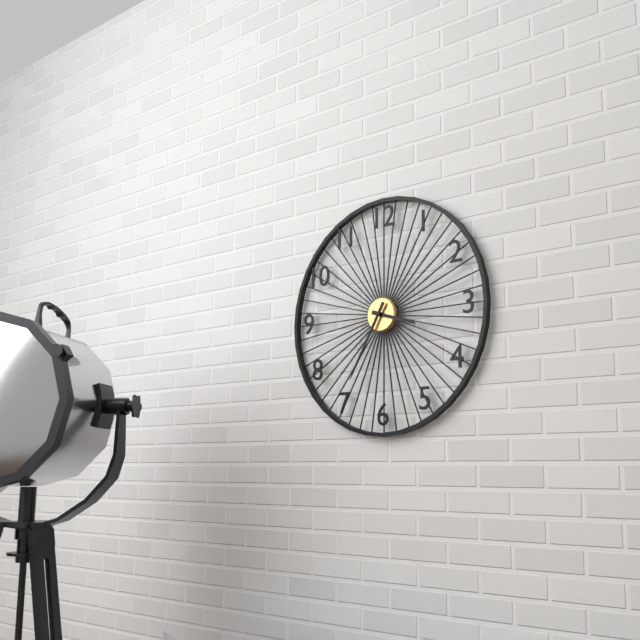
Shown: 3:35
